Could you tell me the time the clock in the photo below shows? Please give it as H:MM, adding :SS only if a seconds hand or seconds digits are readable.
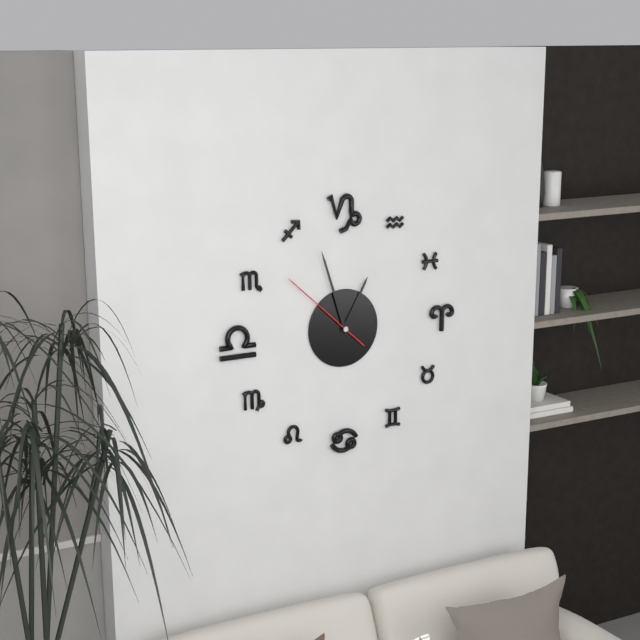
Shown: 12:57:52
